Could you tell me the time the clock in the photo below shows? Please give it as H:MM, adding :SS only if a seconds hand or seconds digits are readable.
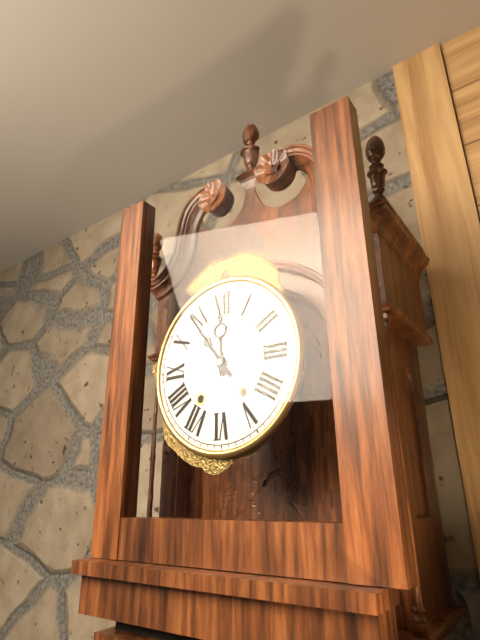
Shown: 11:54
